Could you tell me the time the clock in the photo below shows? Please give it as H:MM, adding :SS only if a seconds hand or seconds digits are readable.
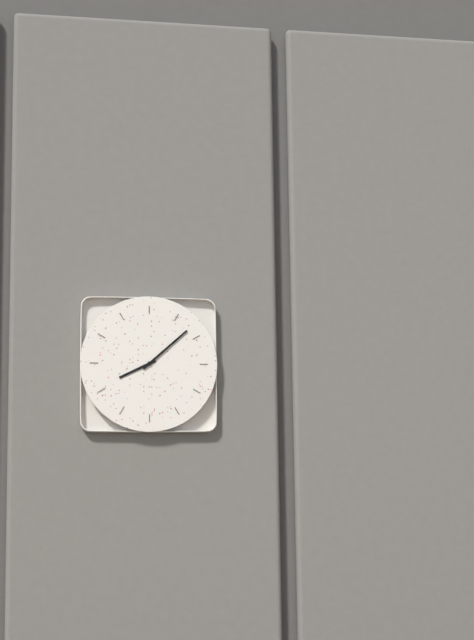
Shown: 8:08
